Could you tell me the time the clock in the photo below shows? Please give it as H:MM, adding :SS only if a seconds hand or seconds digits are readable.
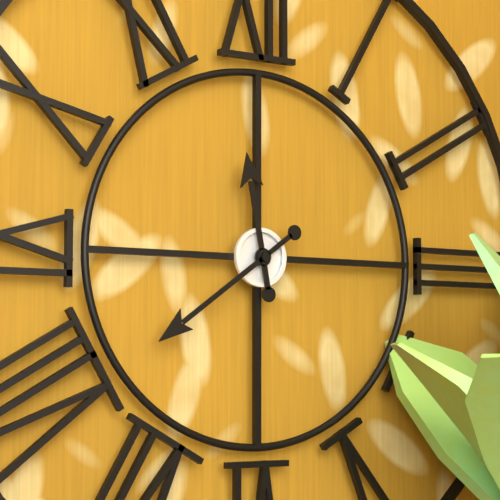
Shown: 11:39
